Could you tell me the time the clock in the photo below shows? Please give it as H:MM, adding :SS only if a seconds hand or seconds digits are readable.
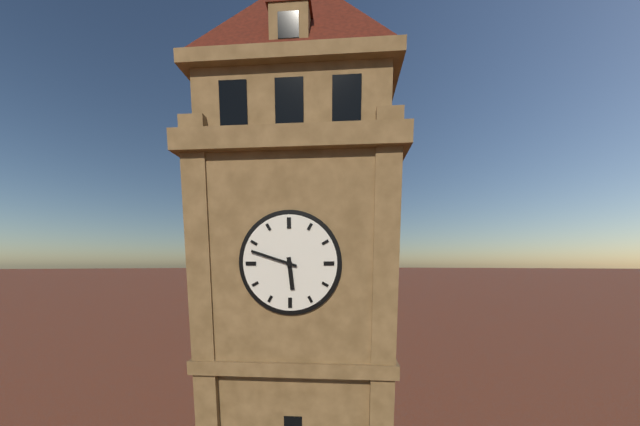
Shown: 5:48
